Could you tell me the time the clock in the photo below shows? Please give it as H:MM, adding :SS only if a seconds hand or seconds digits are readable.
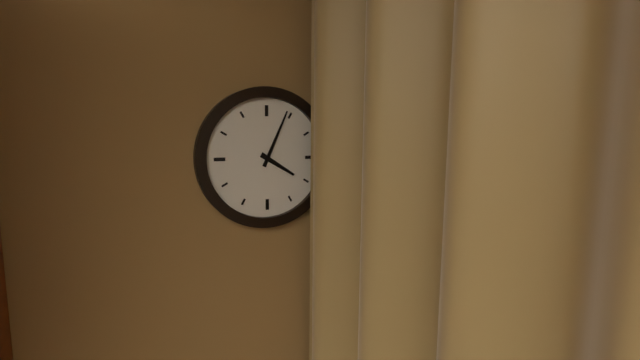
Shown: 4:04
